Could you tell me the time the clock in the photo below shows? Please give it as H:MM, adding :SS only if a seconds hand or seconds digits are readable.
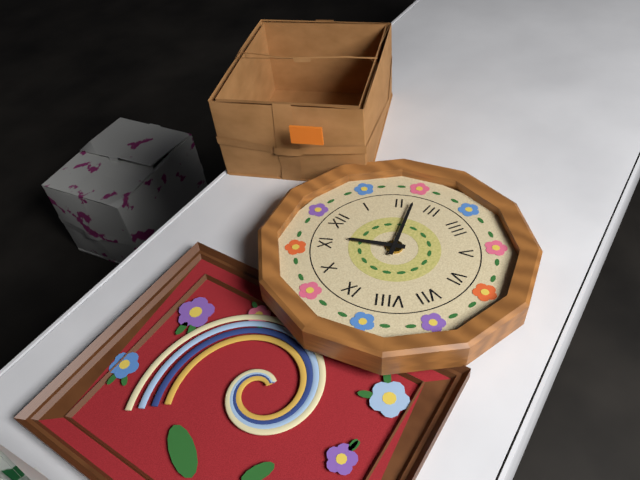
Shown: 11:12
